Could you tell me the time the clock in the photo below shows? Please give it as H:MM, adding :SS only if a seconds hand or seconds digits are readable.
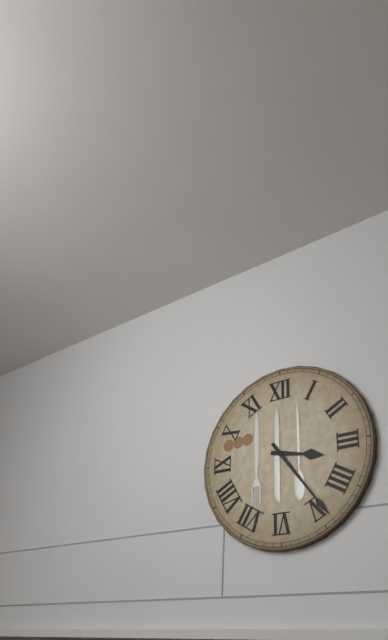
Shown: 3:24
